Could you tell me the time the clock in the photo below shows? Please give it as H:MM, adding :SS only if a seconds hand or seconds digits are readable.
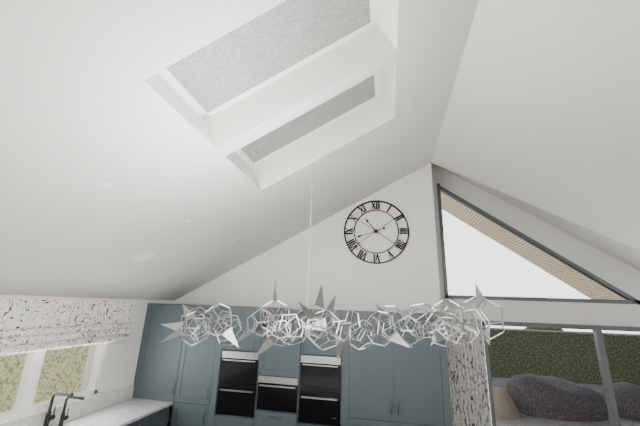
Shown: 10:42
